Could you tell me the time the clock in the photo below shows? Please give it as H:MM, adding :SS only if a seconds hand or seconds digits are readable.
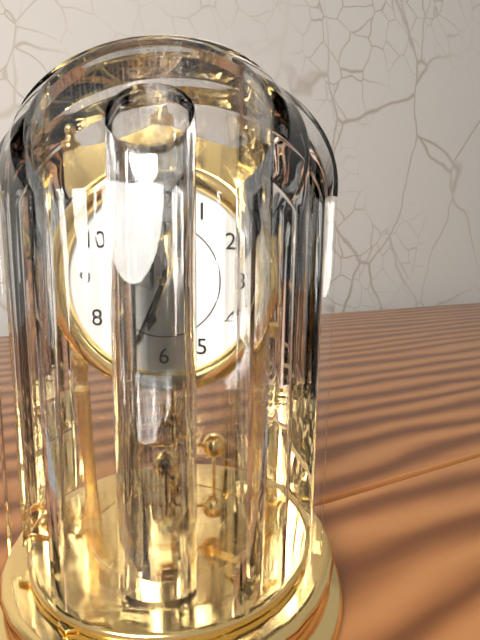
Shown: 6:34
